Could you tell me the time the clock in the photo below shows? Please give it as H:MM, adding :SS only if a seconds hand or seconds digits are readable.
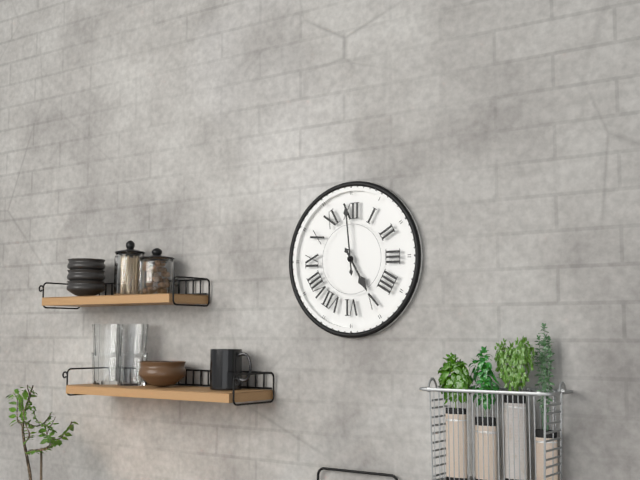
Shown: 4:59
